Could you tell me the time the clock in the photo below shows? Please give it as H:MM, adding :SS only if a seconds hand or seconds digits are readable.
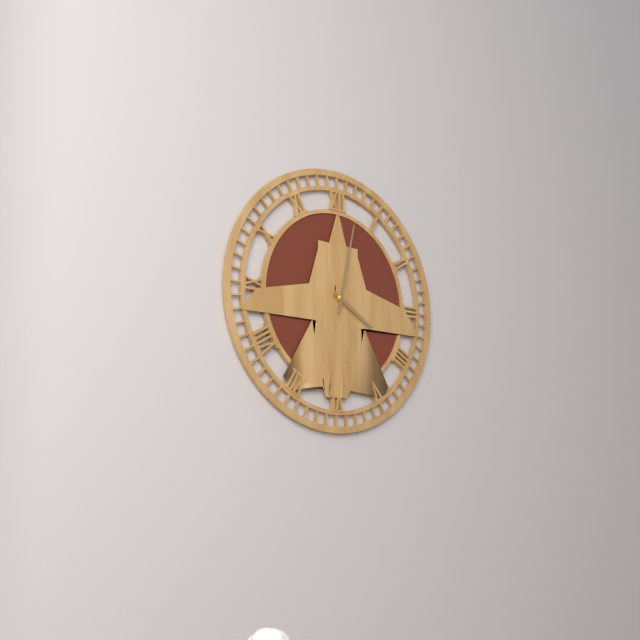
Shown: 4:02
